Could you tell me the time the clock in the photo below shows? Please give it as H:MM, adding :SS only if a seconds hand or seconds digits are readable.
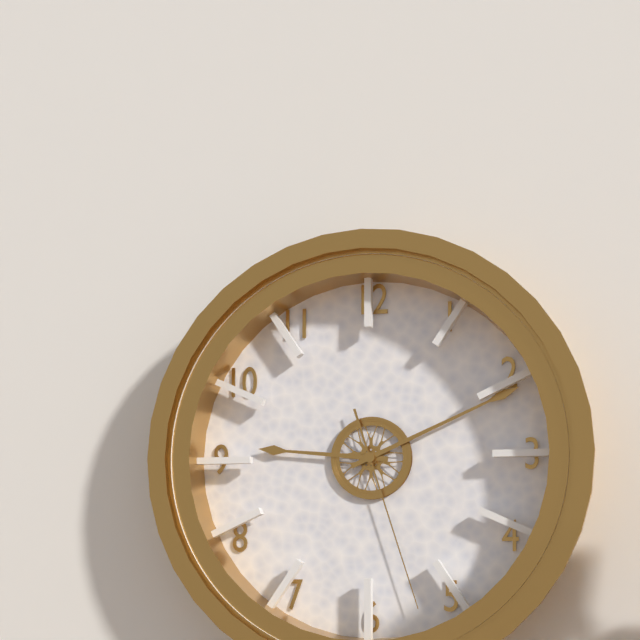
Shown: 9:11:27
